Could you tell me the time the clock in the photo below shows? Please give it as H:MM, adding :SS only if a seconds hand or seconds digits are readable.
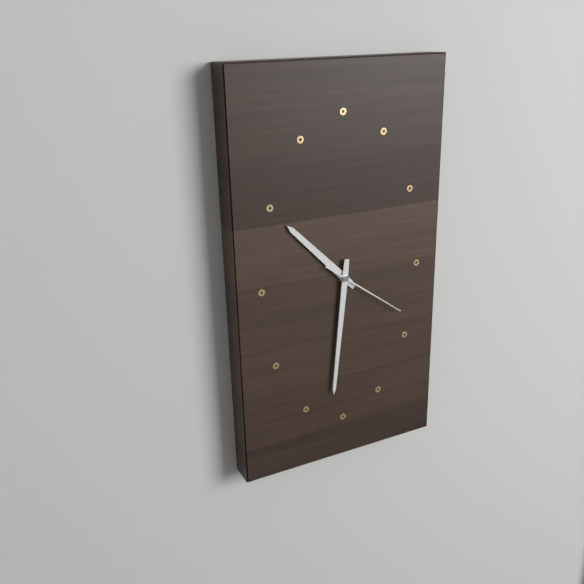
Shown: 10:31:21
